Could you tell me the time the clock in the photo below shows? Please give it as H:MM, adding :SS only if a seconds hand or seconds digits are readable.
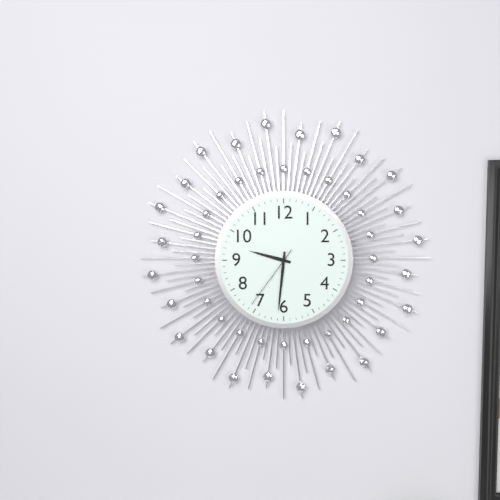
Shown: 9:31:36
